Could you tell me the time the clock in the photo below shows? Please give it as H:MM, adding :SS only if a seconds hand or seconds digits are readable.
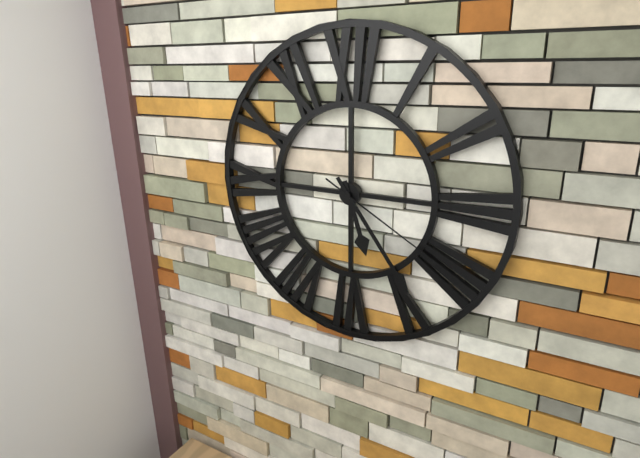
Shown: 5:24:20
